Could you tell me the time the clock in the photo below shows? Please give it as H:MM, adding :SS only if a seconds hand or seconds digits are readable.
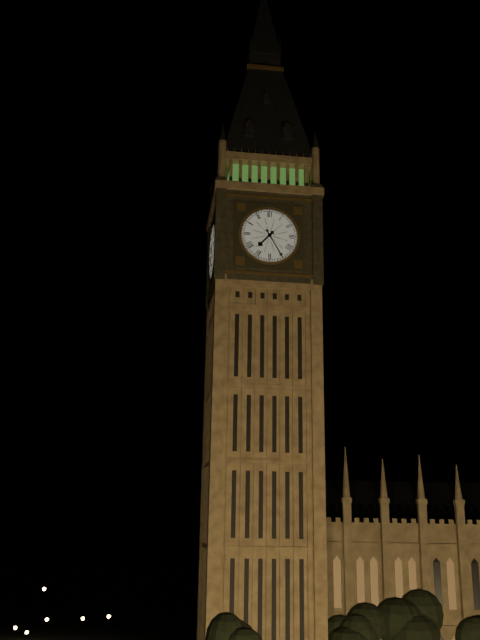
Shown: 7:25
